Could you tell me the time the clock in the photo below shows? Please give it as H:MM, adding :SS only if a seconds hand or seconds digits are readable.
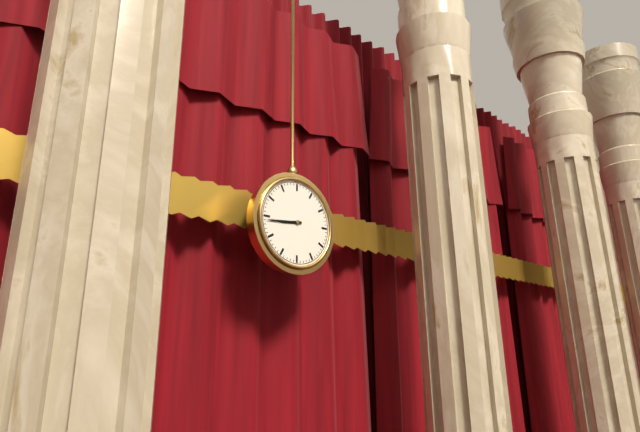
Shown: 8:44
